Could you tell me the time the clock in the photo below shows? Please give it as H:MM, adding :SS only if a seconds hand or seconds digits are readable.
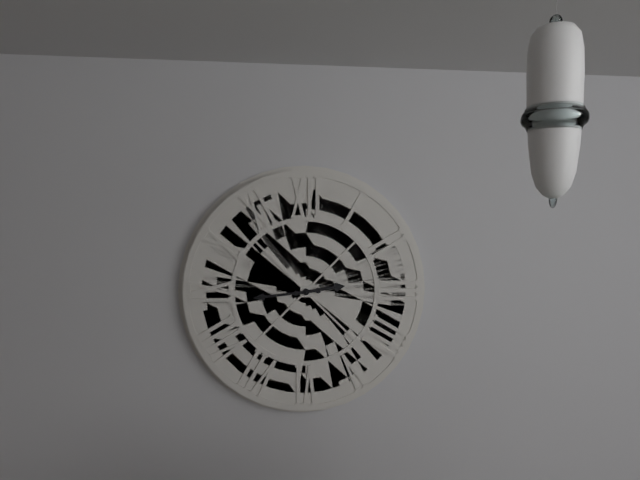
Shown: 2:44
